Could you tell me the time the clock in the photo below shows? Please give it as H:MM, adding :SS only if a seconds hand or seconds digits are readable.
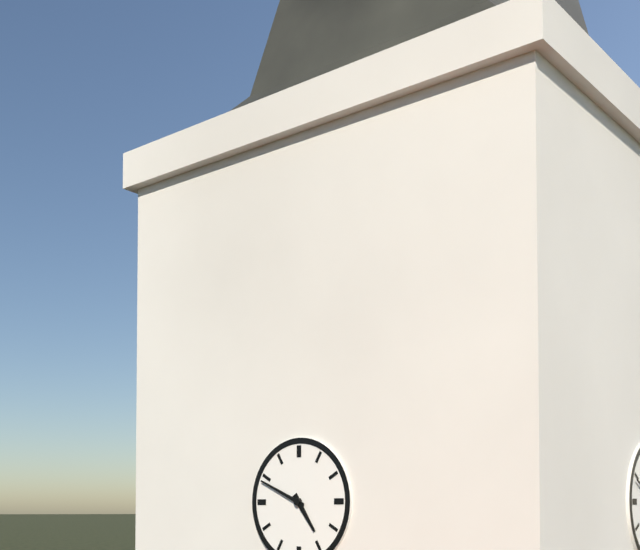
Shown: 4:49
